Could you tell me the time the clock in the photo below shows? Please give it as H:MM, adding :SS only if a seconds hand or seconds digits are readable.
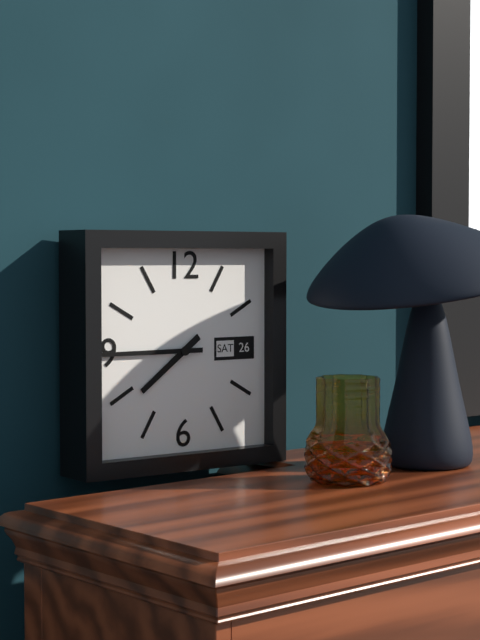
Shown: 7:45
